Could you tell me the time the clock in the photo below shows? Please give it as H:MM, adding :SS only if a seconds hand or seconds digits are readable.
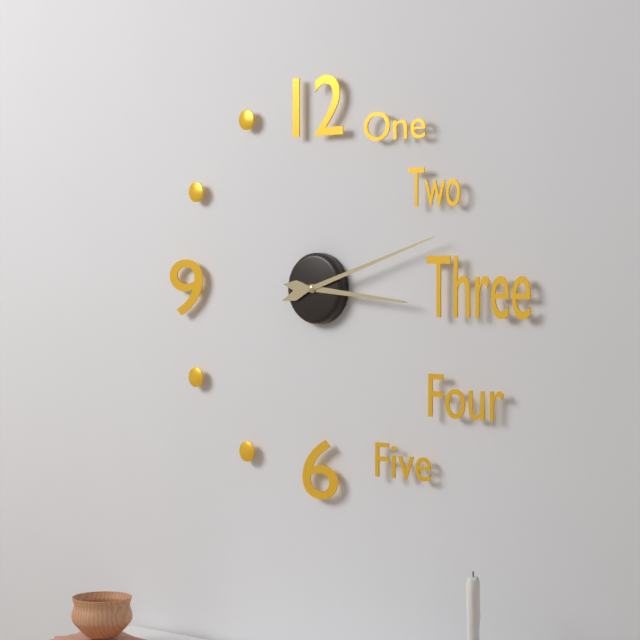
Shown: 3:12
